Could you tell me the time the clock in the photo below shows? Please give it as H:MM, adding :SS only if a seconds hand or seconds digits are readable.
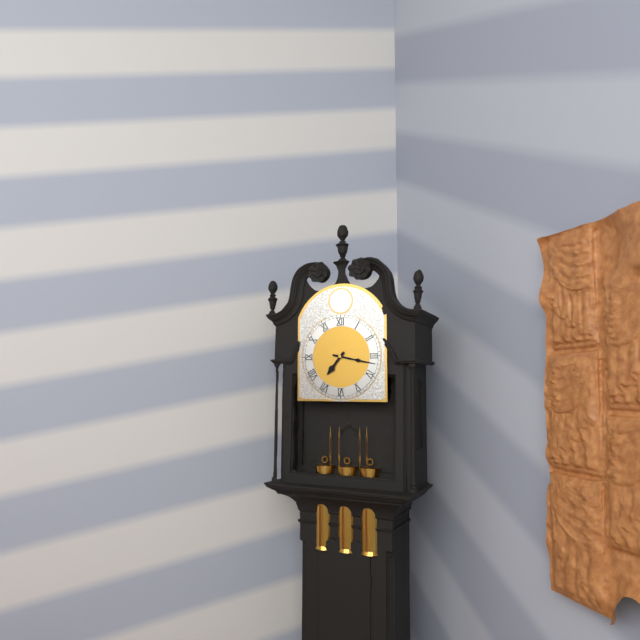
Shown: 7:17
